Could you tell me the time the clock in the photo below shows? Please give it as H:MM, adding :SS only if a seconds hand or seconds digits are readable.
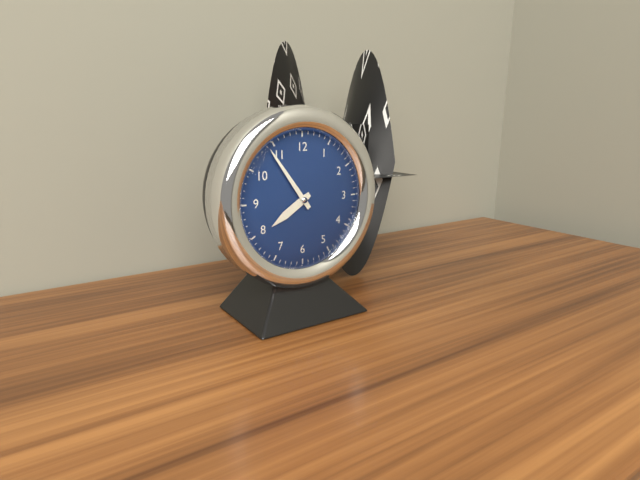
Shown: 7:54
